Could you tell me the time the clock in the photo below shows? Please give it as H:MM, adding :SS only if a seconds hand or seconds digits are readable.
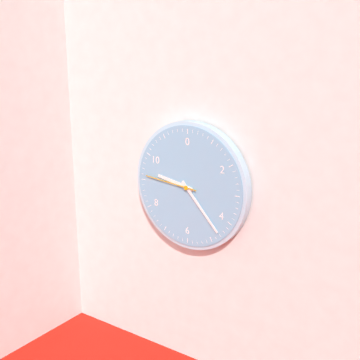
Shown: 9:23:46
